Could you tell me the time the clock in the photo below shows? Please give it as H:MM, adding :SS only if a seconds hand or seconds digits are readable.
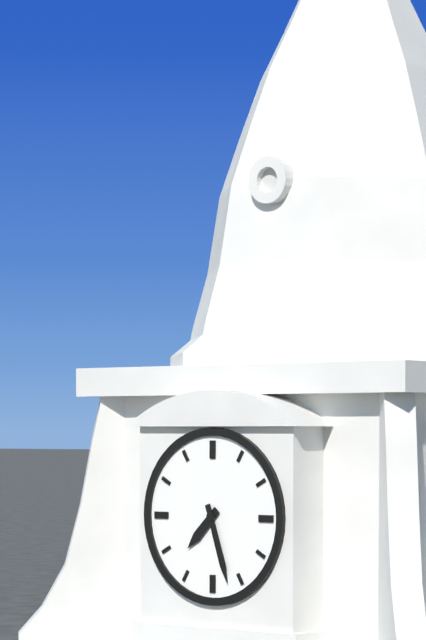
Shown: 7:27
